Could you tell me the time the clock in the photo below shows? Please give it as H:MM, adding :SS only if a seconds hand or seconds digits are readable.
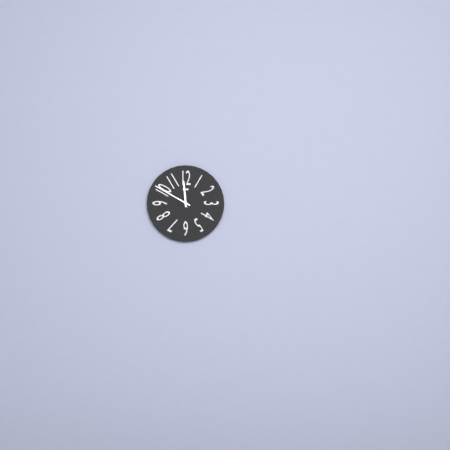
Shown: 11:50
